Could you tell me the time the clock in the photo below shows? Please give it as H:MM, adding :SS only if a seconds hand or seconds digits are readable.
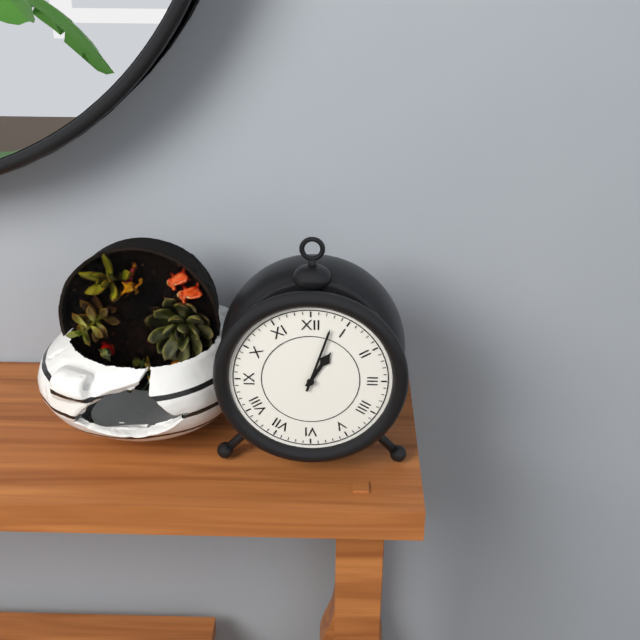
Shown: 1:03
